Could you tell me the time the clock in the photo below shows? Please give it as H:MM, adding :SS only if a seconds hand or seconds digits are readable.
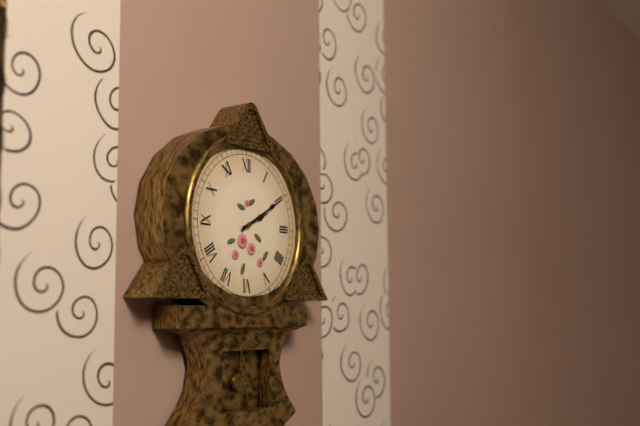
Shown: 2:10
